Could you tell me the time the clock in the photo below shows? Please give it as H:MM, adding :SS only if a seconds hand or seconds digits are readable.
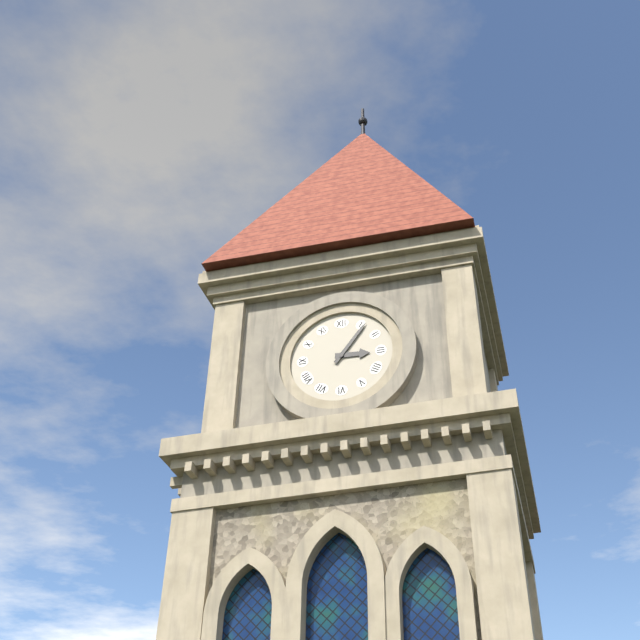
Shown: 3:06
